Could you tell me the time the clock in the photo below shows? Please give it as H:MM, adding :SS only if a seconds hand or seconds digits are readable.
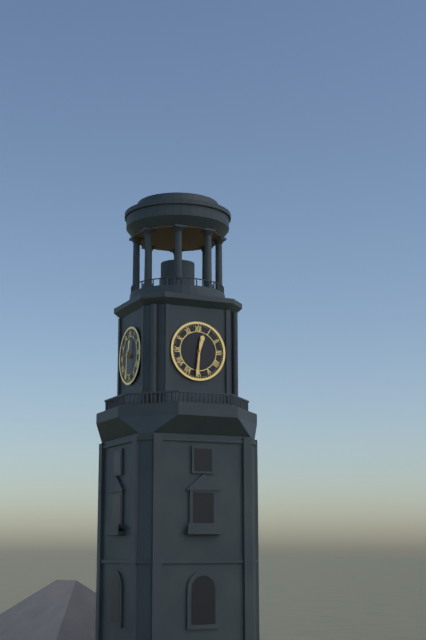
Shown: 12:31
